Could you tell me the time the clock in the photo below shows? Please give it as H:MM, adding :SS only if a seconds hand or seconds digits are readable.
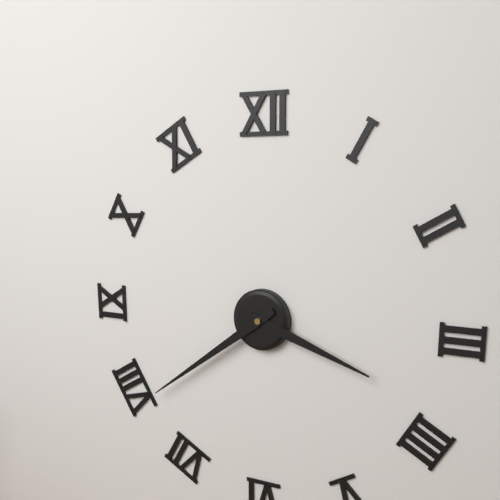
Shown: 3:39
